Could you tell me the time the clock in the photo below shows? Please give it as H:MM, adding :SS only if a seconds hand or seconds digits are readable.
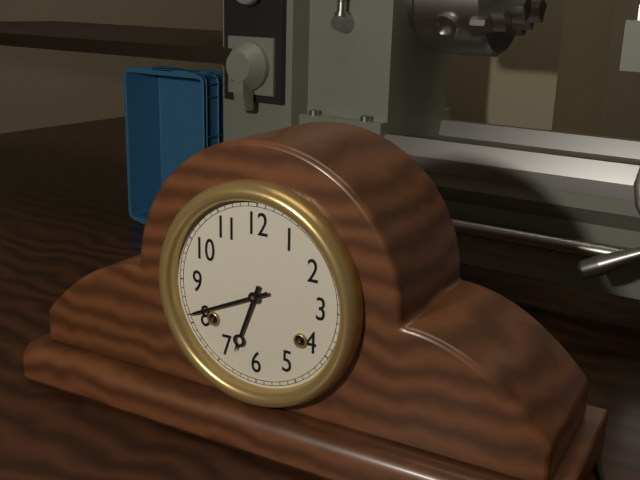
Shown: 6:41
